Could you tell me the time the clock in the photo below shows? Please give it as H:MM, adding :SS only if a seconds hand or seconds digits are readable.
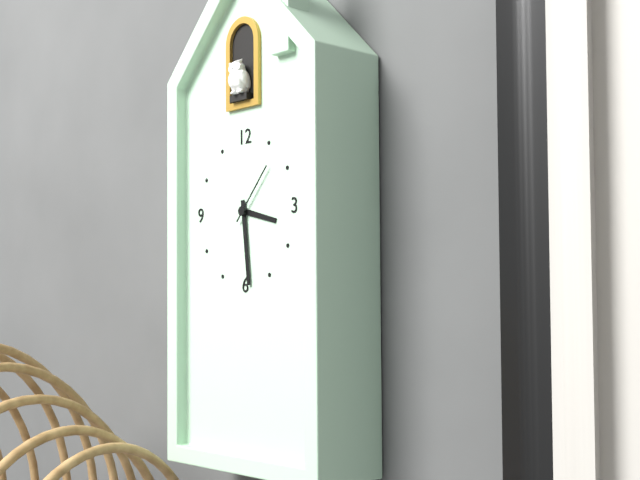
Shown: 3:29:07
